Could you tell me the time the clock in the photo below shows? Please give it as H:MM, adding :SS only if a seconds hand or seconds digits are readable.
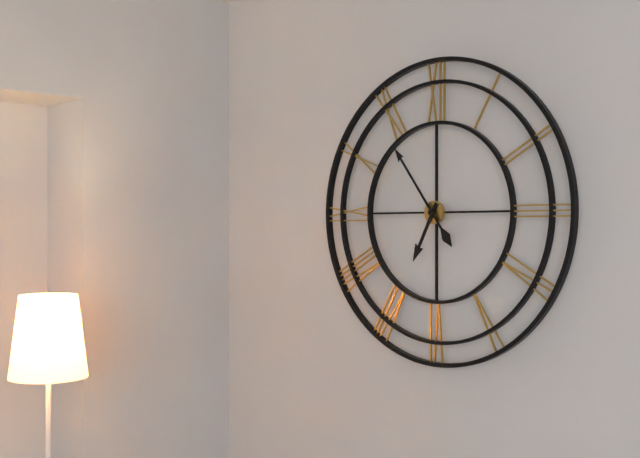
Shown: 6:54
